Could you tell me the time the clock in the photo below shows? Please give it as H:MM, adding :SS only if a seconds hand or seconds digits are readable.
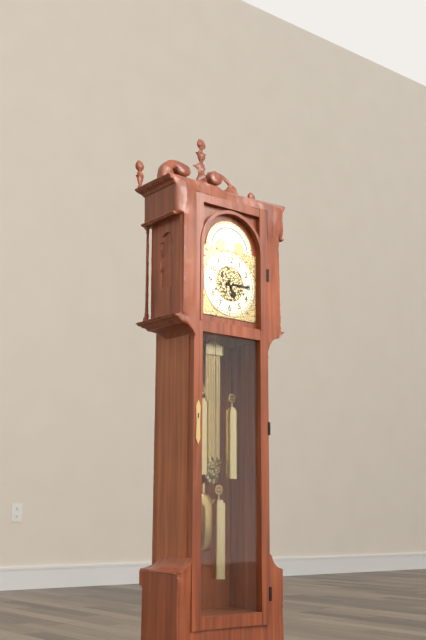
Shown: 5:15
